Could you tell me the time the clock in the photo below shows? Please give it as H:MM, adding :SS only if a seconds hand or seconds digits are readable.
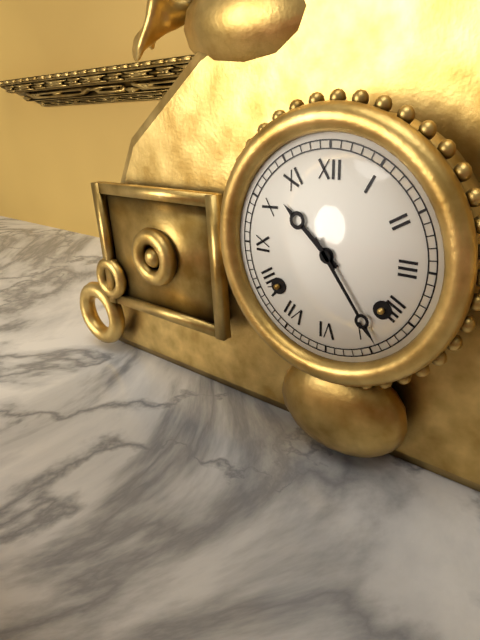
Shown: 10:24
